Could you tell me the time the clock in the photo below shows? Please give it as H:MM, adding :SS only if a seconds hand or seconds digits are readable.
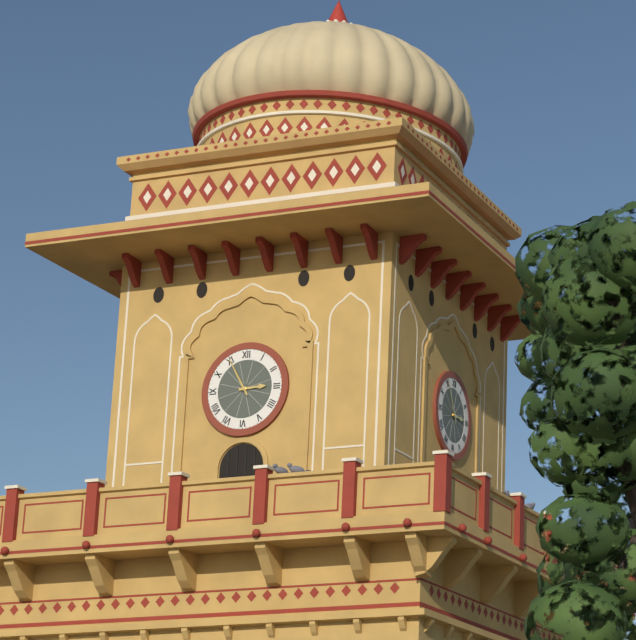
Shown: 2:55
